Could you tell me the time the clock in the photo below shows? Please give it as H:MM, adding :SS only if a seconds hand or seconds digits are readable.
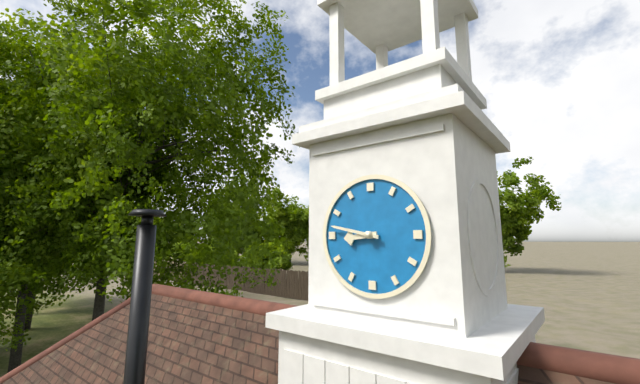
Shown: 8:47
